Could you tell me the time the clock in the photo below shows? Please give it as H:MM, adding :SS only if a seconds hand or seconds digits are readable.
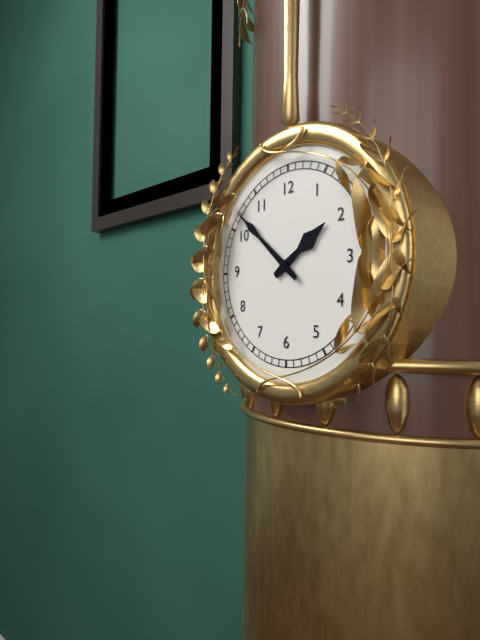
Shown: 1:52
